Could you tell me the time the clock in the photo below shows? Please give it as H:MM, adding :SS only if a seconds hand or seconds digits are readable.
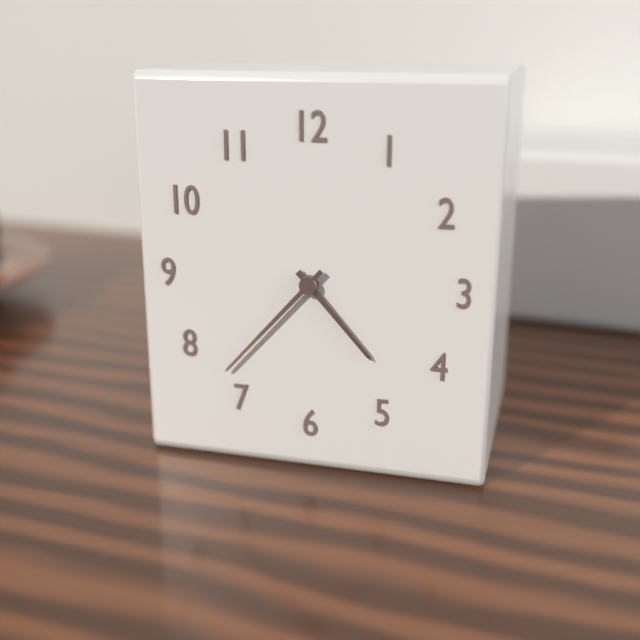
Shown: 4:37
